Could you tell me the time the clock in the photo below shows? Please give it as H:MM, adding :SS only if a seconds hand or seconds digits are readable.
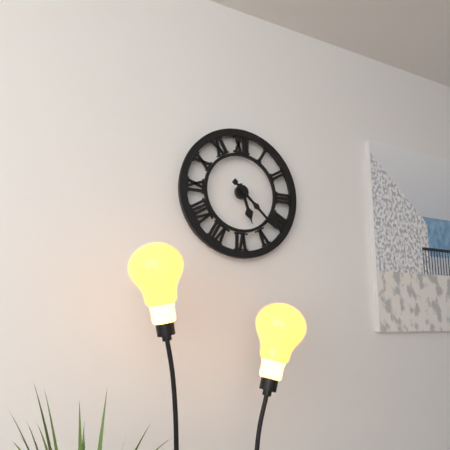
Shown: 5:22
